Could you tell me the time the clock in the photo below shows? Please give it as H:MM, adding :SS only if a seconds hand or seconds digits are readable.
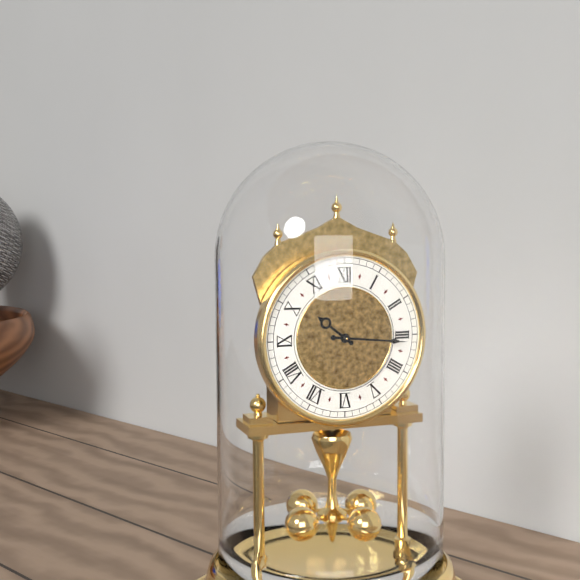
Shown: 10:16
